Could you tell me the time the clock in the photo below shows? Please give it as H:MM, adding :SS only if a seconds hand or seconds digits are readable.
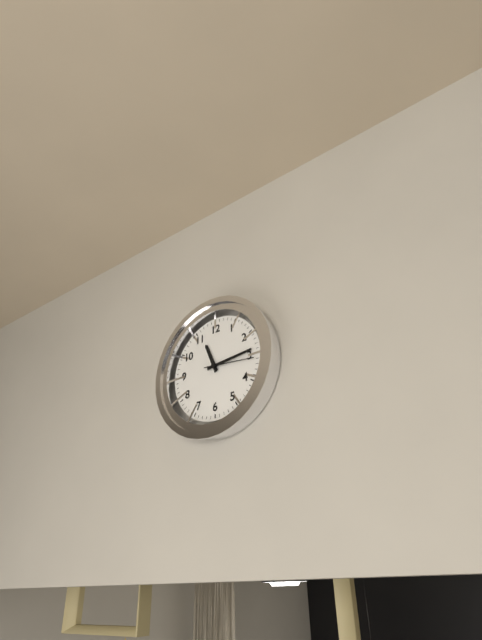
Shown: 11:14:16
